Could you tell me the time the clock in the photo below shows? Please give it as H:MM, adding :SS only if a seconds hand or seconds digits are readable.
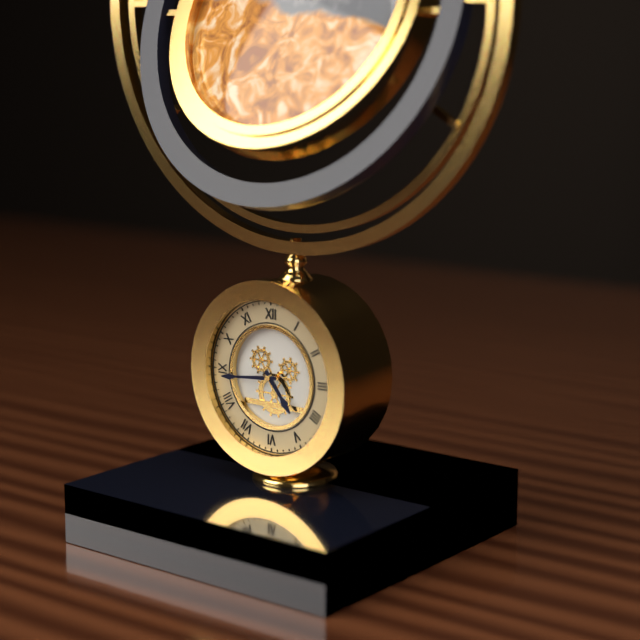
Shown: 4:44
